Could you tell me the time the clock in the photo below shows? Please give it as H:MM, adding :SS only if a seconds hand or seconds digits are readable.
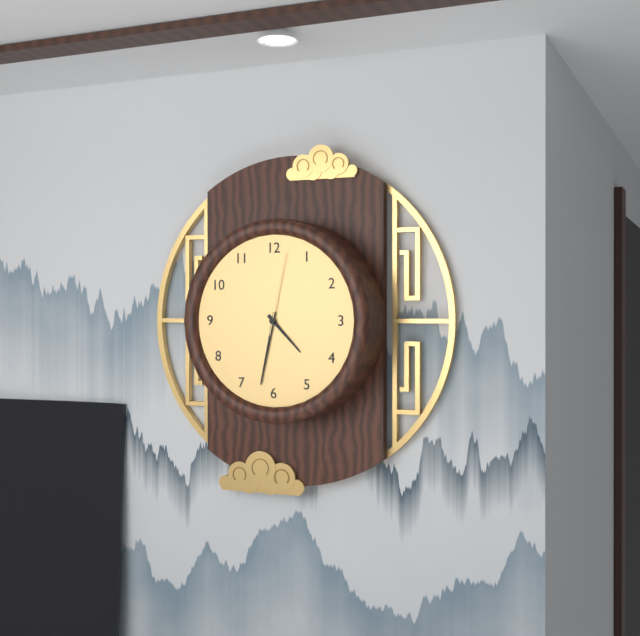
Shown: 4:32:02
